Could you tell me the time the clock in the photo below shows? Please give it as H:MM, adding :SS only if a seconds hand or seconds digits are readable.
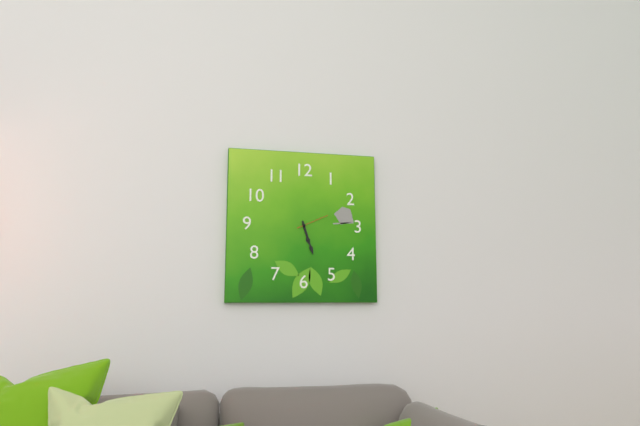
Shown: 5:27
